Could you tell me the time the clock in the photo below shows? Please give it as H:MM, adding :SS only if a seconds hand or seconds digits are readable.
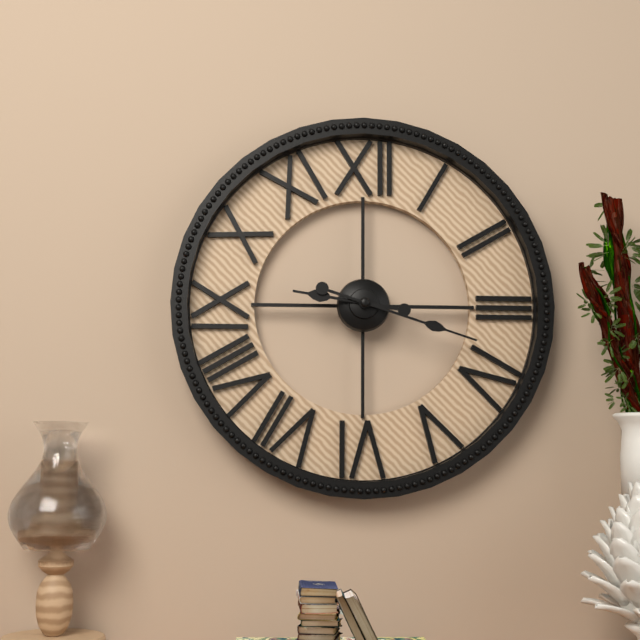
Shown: 9:18
